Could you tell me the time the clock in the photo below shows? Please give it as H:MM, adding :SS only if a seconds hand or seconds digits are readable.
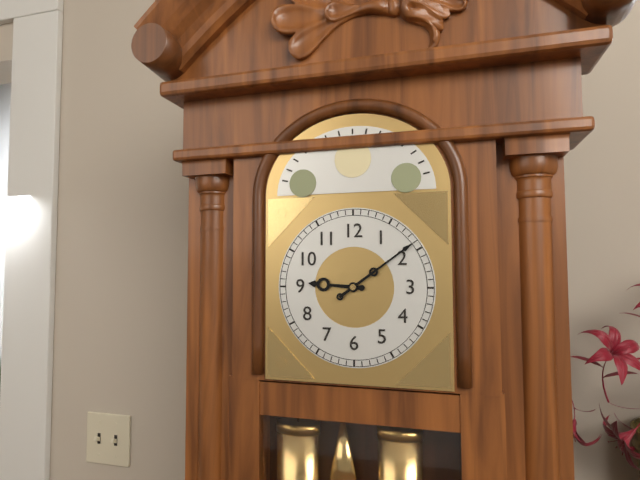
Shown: 9:09
